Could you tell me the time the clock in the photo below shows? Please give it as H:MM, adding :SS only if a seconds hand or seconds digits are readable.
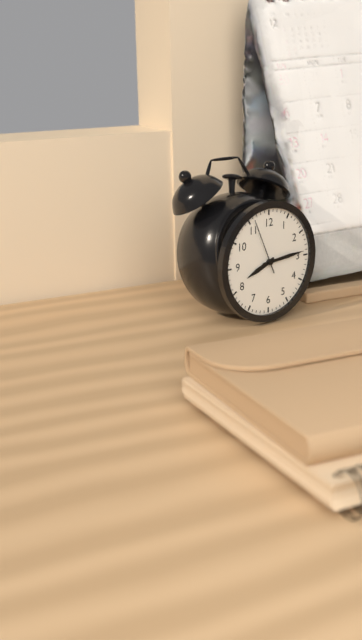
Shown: 8:14:56
